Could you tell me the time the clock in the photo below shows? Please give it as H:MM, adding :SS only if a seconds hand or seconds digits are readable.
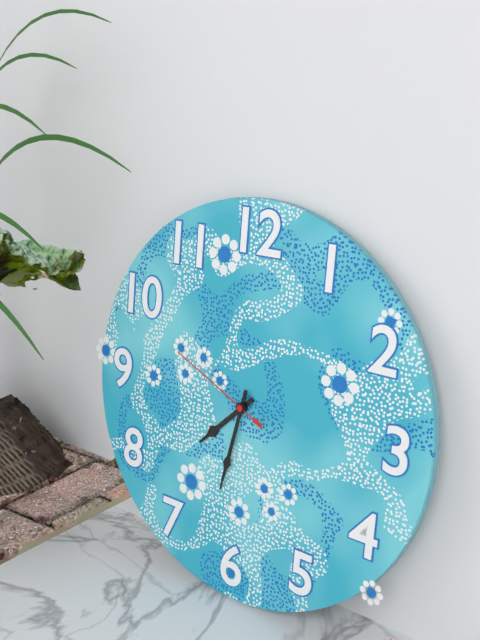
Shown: 7:32:49
